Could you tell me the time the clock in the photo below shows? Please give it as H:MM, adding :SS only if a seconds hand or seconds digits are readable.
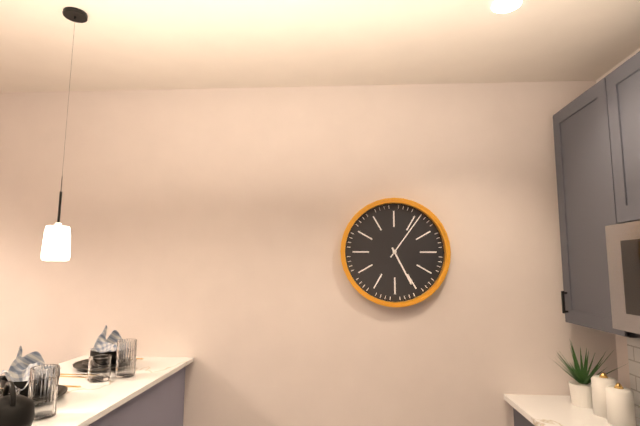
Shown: 5:06
